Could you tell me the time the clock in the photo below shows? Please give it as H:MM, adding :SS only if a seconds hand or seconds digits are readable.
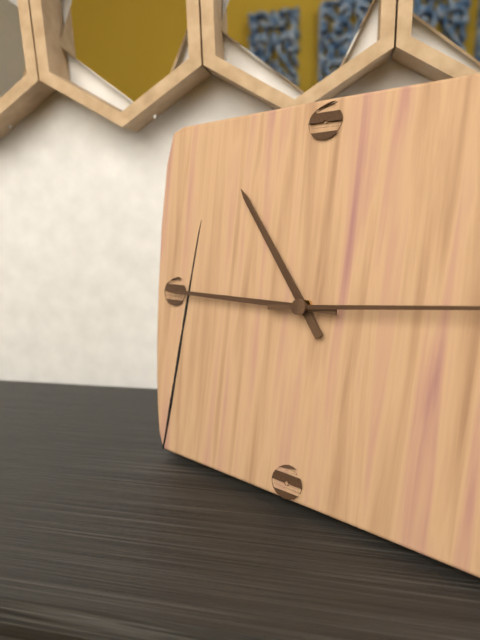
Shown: 10:45
